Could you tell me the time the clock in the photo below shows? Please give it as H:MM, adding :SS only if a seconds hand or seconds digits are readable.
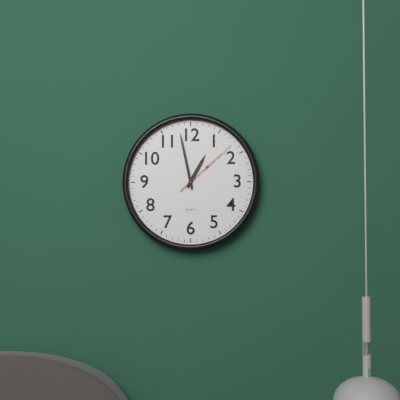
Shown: 12:58:08
